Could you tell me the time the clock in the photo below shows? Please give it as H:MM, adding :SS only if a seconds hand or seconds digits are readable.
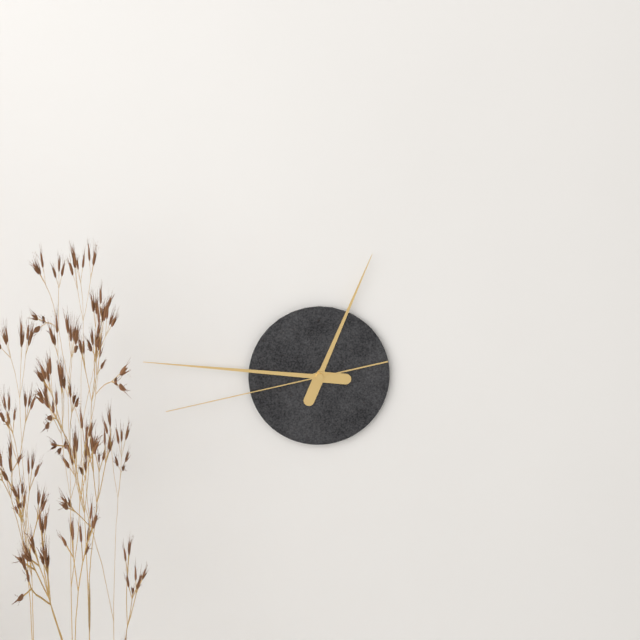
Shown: 12:46:43
